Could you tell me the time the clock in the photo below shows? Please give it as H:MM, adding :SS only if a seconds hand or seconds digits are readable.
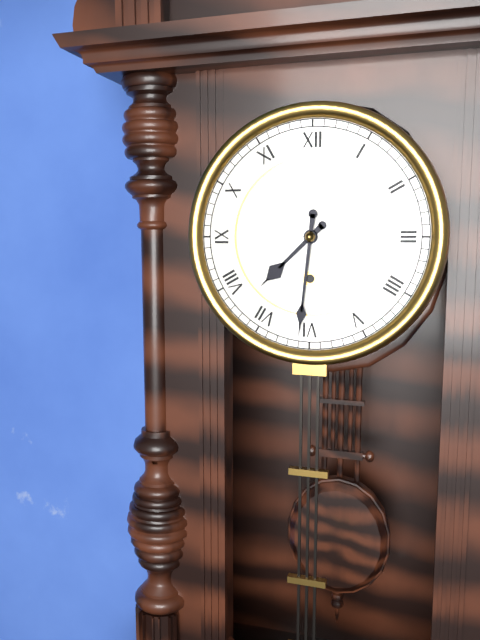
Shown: 7:31
